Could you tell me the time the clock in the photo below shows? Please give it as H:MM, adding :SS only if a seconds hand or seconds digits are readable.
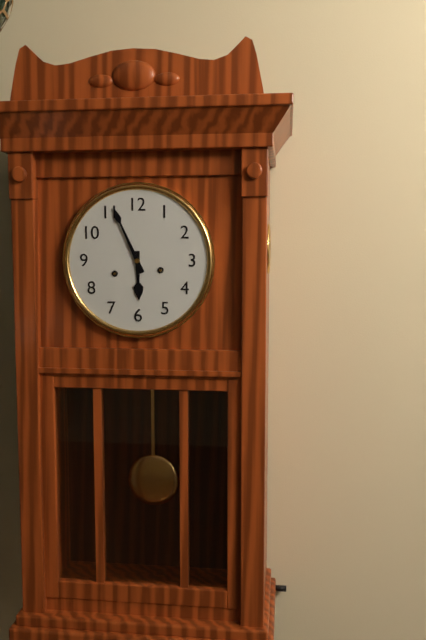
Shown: 5:56
